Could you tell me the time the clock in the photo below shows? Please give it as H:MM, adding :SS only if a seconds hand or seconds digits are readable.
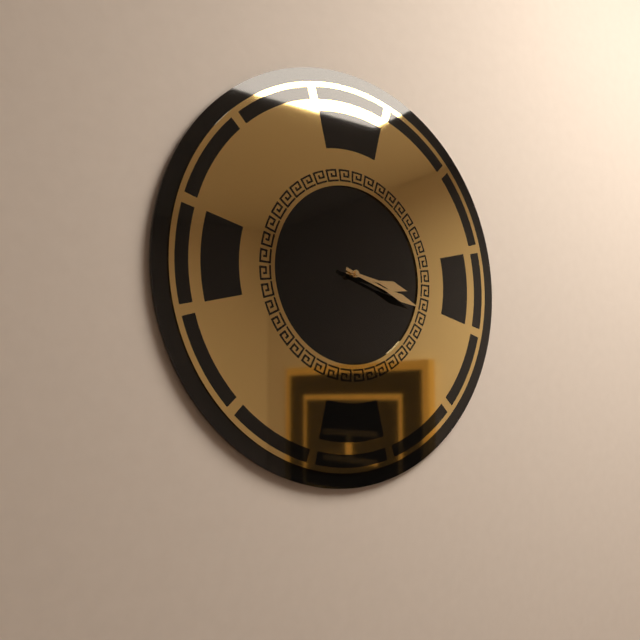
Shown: 3:18
